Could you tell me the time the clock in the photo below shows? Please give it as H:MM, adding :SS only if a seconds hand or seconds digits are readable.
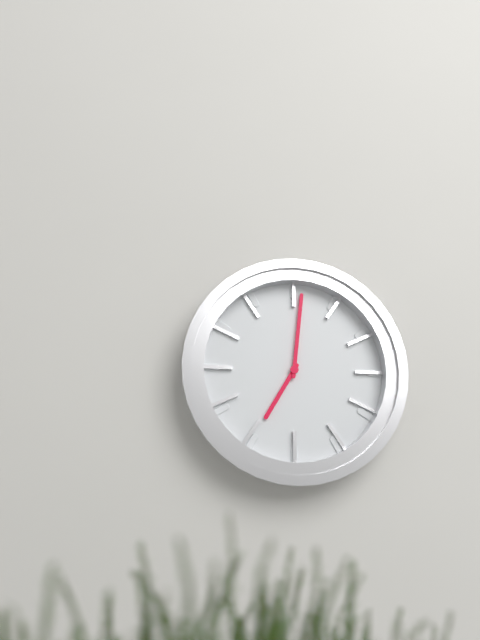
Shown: 7:01
